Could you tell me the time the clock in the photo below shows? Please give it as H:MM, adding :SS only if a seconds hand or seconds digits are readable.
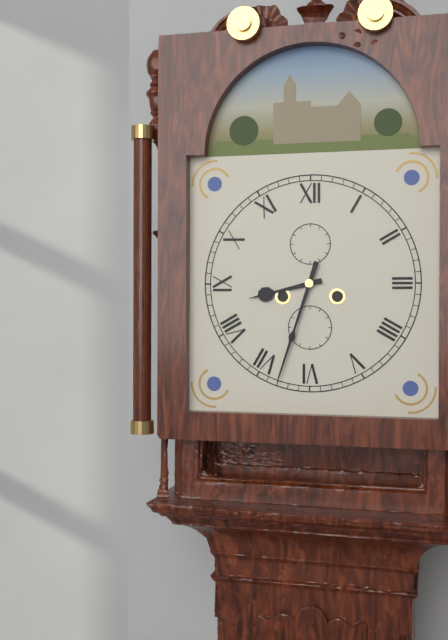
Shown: 8:33
